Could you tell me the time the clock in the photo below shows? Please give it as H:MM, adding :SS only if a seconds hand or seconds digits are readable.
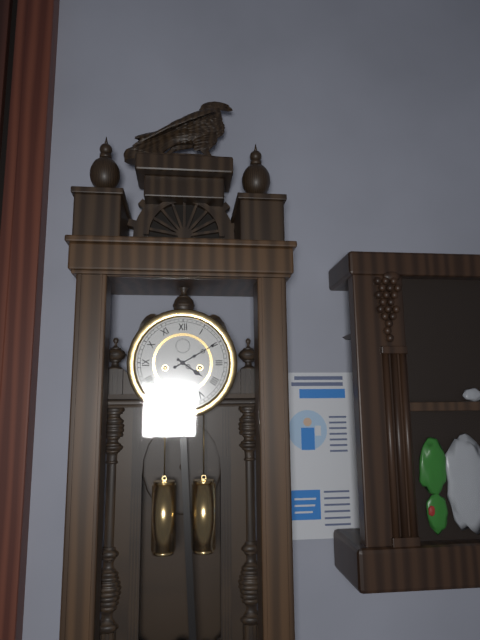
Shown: 4:10
